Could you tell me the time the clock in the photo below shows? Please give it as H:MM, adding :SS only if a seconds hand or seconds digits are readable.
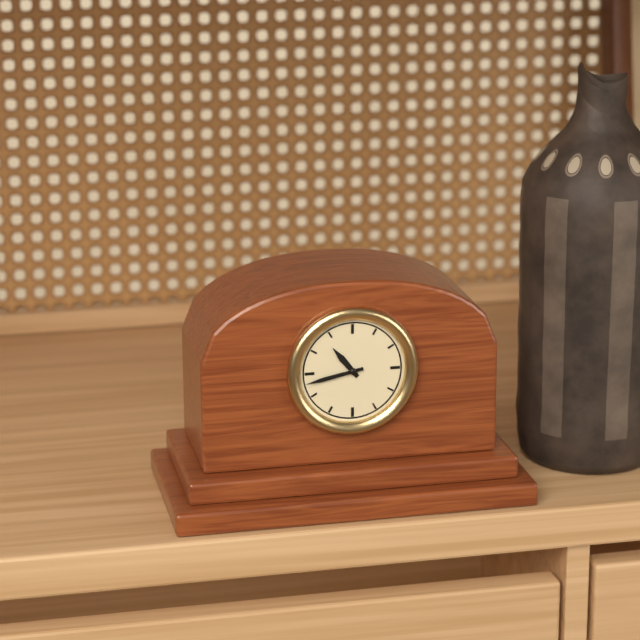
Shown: 10:43
